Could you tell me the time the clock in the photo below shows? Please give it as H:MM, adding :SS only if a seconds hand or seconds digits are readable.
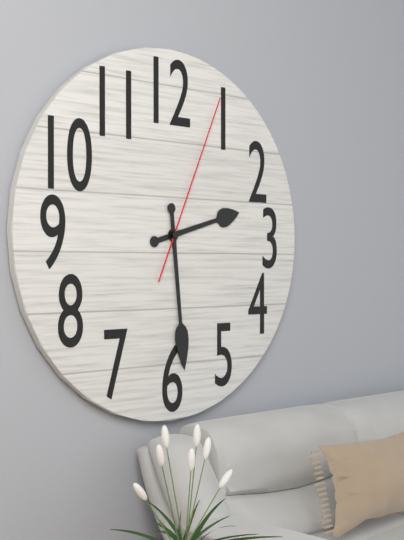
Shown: 2:29:04
